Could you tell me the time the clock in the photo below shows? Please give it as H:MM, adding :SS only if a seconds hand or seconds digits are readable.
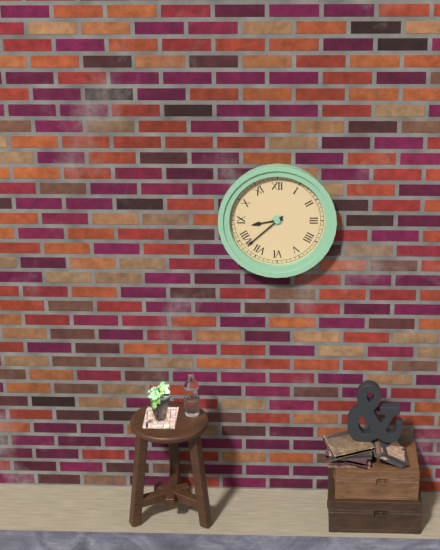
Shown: 8:38
